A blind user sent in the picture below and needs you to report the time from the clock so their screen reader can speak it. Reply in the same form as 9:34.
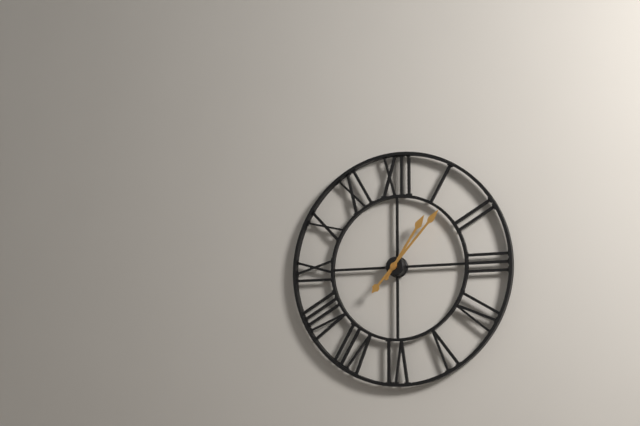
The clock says 1:07
